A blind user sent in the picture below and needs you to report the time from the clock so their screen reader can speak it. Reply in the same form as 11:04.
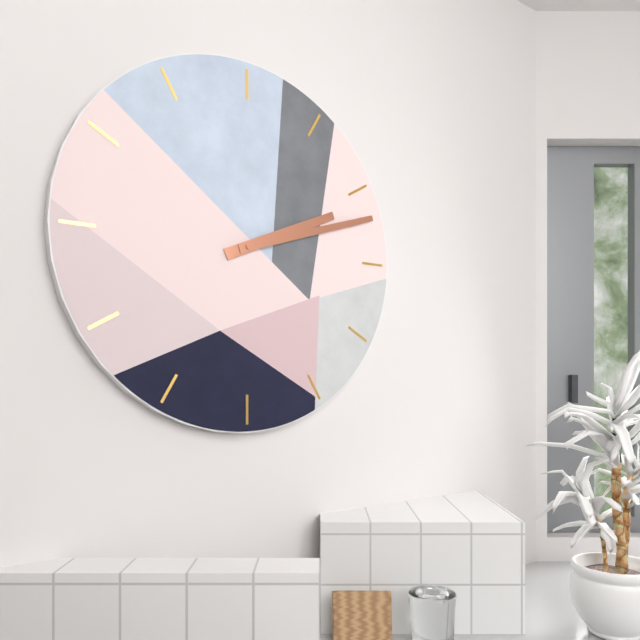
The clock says 2:12
